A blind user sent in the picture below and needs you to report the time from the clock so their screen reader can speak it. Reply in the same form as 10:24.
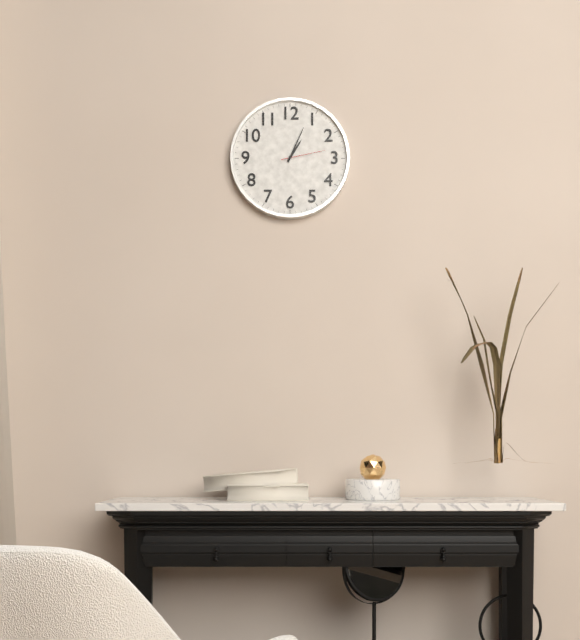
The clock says 1:04
